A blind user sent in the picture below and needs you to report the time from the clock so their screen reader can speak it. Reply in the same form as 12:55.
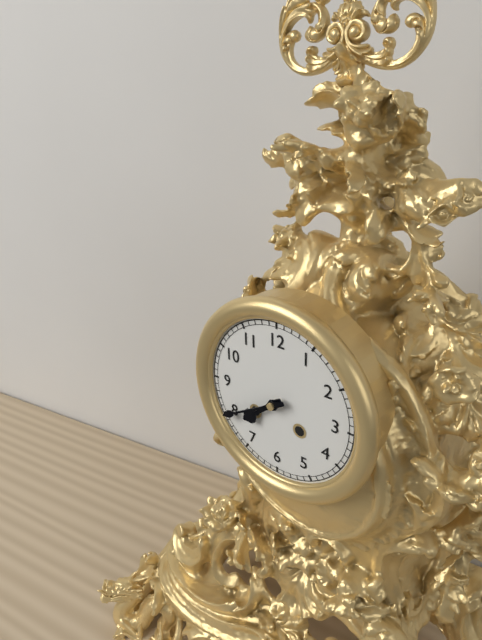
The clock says 7:40
